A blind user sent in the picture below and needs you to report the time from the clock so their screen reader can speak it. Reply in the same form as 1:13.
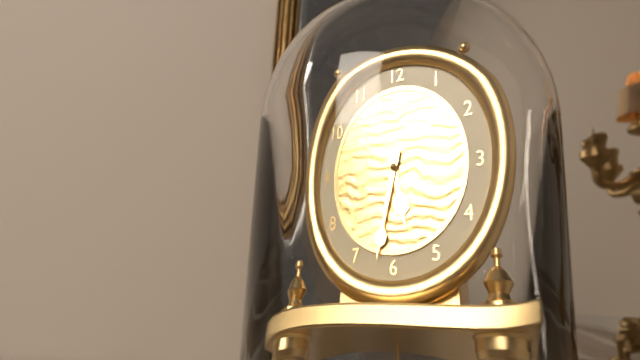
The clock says 5:32
